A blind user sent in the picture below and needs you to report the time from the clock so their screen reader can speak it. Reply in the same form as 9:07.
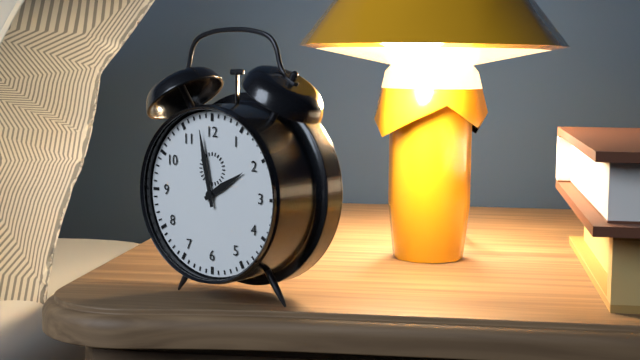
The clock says 1:58
